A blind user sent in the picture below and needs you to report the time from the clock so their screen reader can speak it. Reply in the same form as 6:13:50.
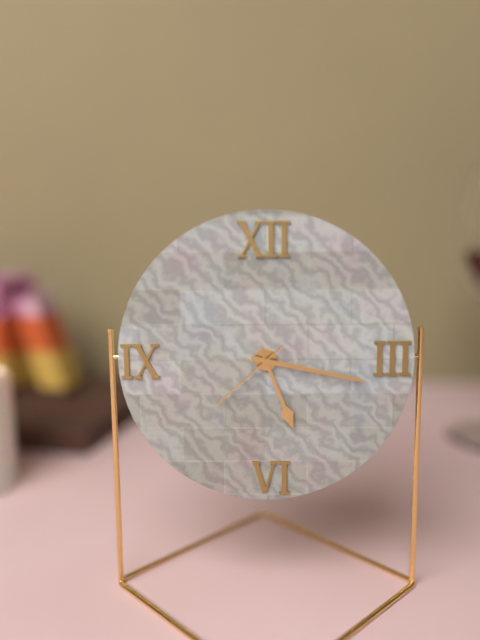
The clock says 5:17:38
